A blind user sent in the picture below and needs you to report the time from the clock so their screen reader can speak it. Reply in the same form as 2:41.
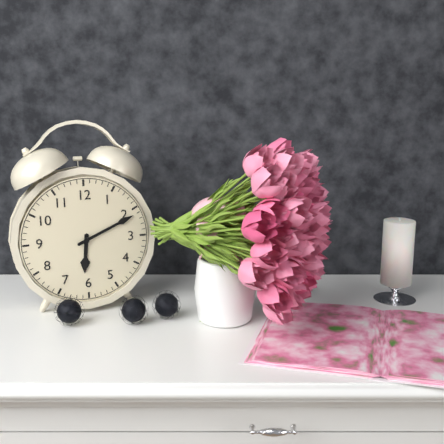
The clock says 6:11
